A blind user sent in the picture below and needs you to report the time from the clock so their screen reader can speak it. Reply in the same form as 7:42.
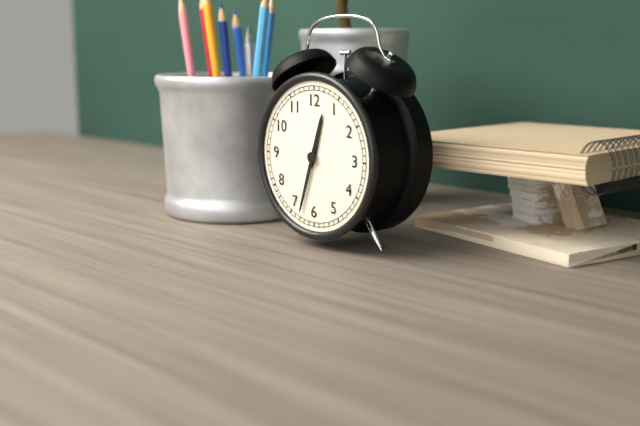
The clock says 12:33
